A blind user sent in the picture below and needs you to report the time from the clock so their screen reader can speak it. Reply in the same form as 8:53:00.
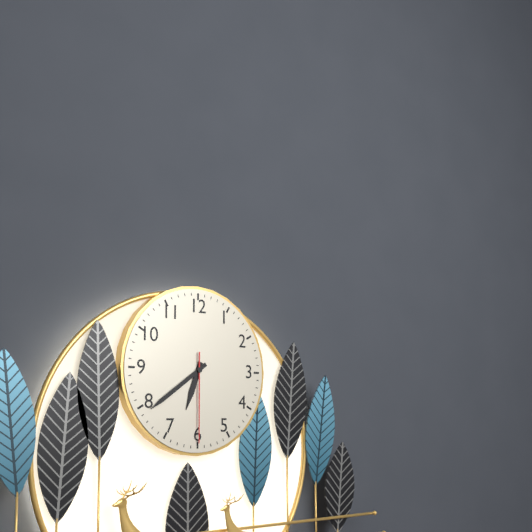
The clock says 6:39:30
